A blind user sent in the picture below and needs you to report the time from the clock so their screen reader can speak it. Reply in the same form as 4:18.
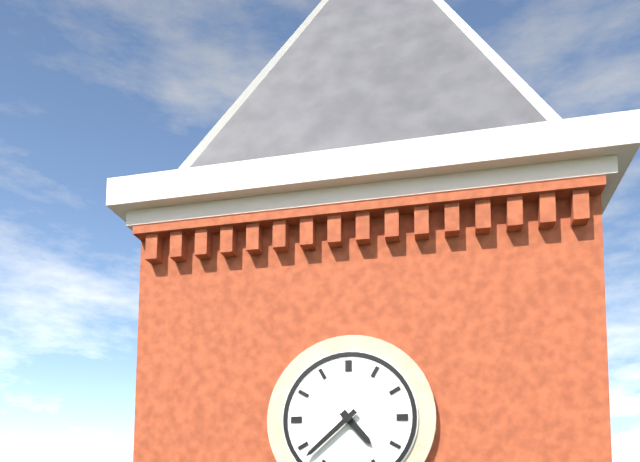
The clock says 4:38
